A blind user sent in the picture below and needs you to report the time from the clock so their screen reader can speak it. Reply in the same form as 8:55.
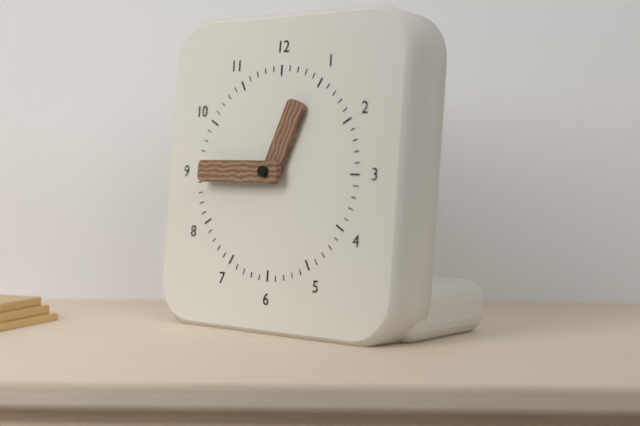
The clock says 12:45
